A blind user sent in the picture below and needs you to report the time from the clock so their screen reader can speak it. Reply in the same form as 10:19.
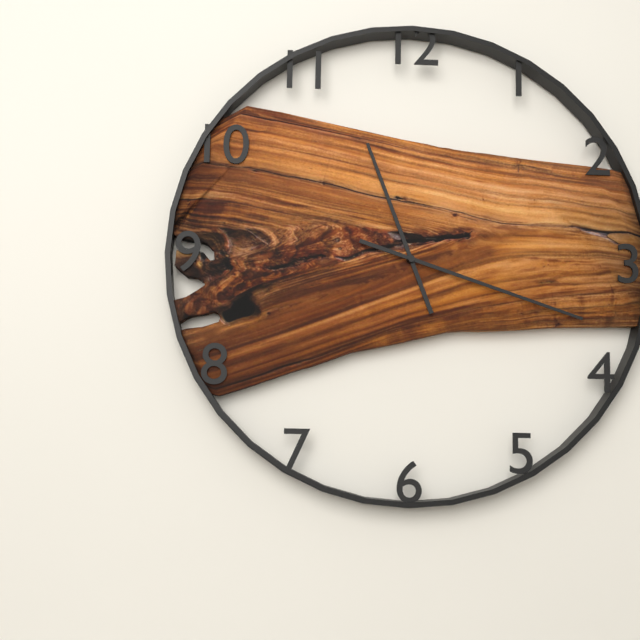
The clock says 11:18
